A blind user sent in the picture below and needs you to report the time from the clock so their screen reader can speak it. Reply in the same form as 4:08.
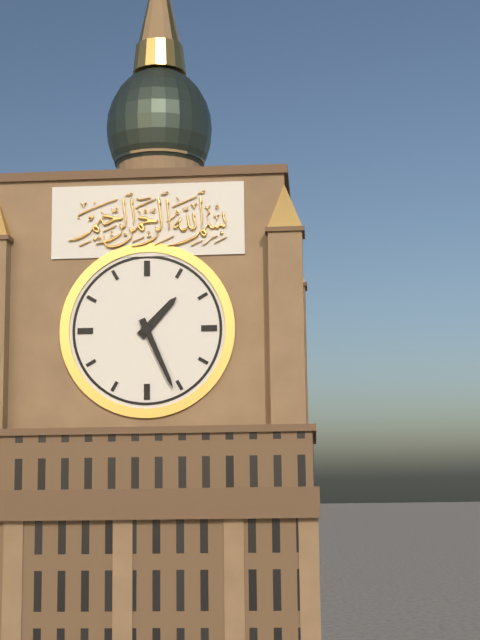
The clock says 1:26
